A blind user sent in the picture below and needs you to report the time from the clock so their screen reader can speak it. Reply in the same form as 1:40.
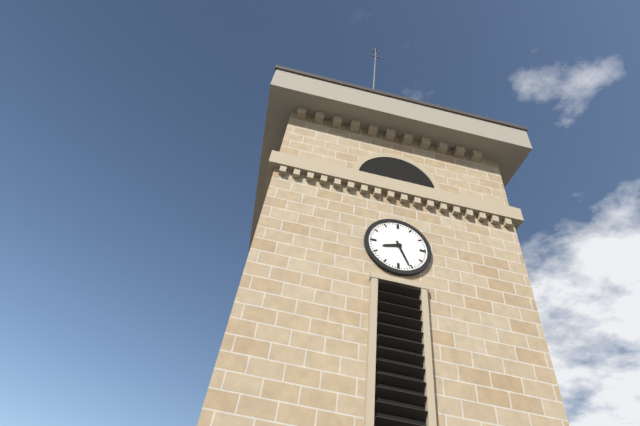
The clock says 8:26
